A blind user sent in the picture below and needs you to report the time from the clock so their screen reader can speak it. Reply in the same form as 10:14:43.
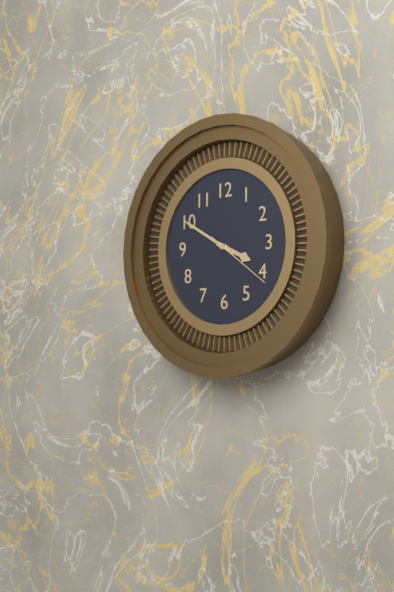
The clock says 3:50:21
